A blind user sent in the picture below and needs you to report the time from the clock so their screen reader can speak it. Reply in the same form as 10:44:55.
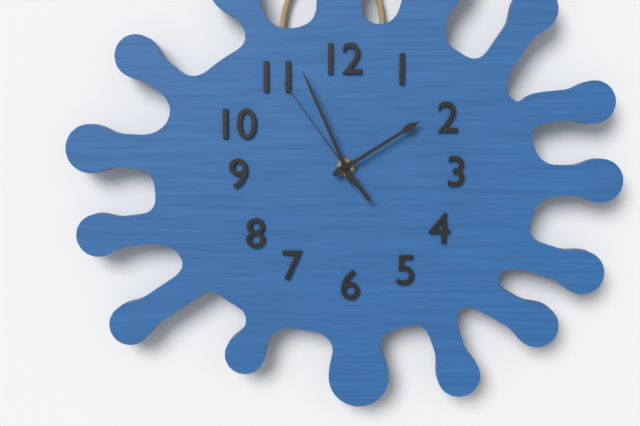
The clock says 1:56:54
